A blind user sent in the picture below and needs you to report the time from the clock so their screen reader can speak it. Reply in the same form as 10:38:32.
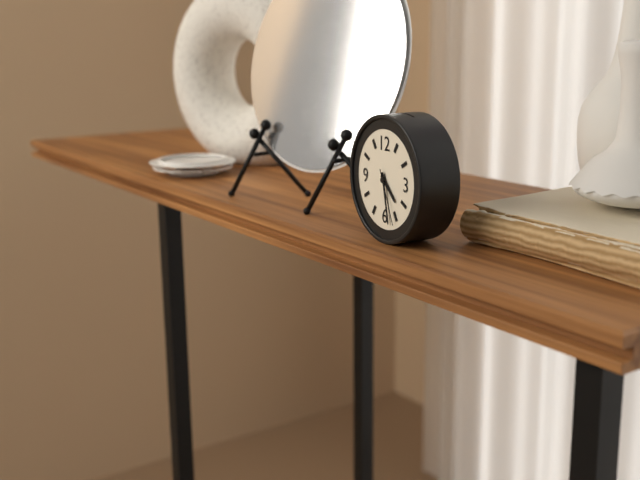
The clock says 4:28:26
